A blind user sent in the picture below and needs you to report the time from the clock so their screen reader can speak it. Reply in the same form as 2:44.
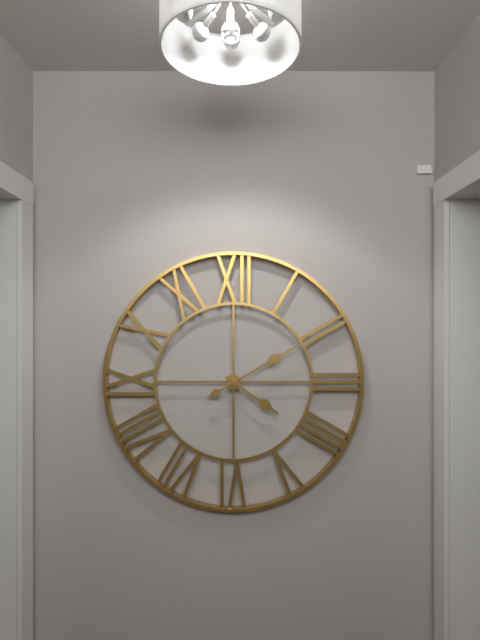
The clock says 4:10
